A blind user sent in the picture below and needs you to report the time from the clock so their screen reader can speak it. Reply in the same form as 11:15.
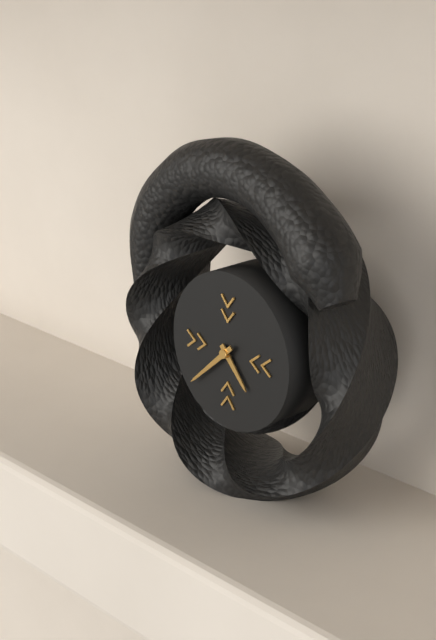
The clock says 4:38
